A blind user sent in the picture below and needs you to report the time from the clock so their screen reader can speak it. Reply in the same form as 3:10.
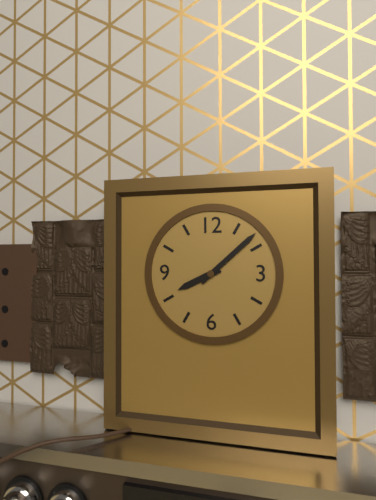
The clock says 8:08
